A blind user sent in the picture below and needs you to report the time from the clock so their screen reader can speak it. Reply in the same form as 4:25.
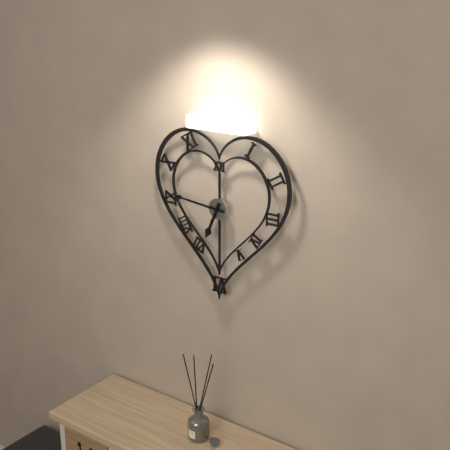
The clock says 6:46
